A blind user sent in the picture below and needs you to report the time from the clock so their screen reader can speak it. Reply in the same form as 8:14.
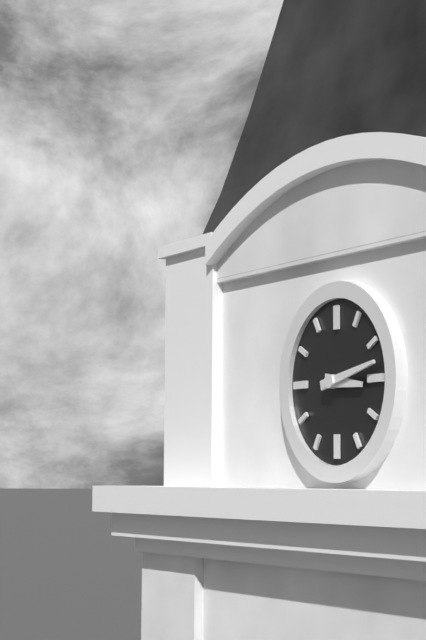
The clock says 3:13
